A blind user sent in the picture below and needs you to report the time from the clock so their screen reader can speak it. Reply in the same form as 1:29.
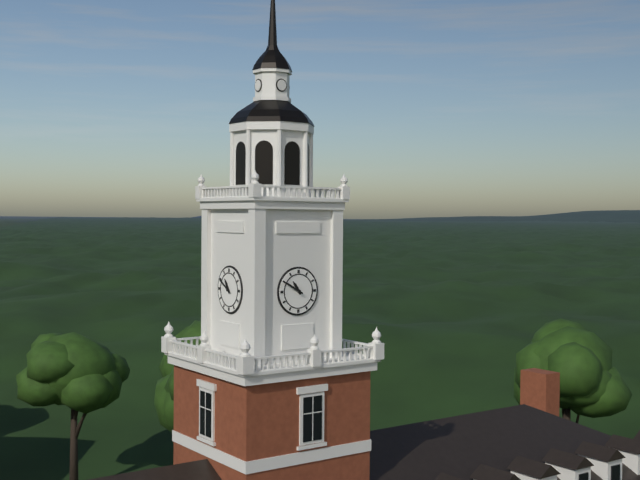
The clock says 10:50
